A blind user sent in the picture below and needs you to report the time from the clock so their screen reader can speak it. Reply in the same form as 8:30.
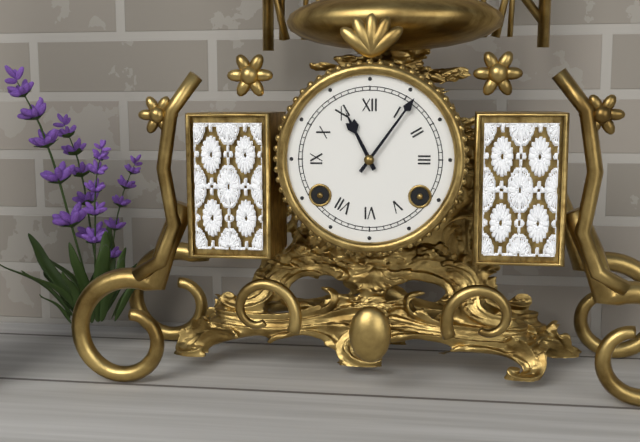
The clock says 11:06
